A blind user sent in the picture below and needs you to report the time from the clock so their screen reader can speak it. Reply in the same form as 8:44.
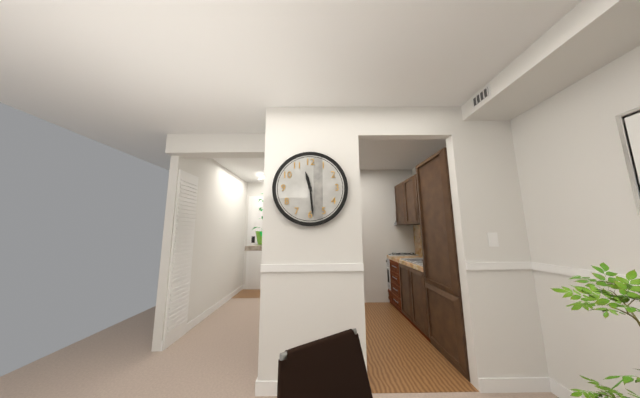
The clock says 11:29
